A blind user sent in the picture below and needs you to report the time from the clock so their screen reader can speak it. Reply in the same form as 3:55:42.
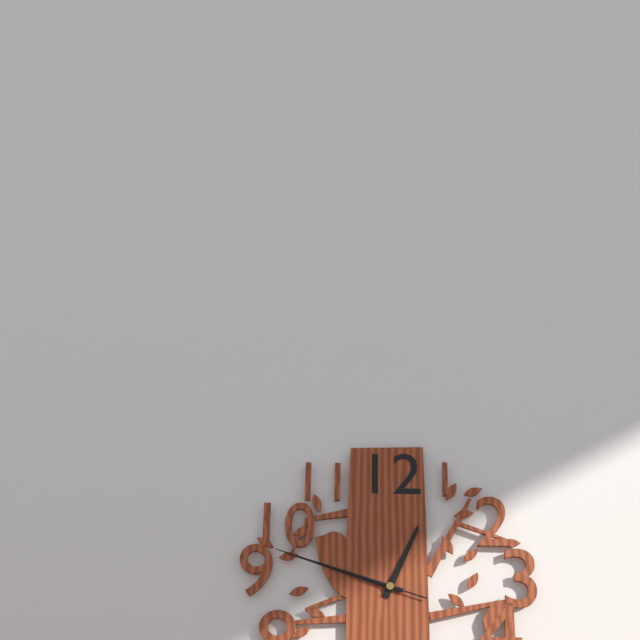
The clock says 12:48:48
